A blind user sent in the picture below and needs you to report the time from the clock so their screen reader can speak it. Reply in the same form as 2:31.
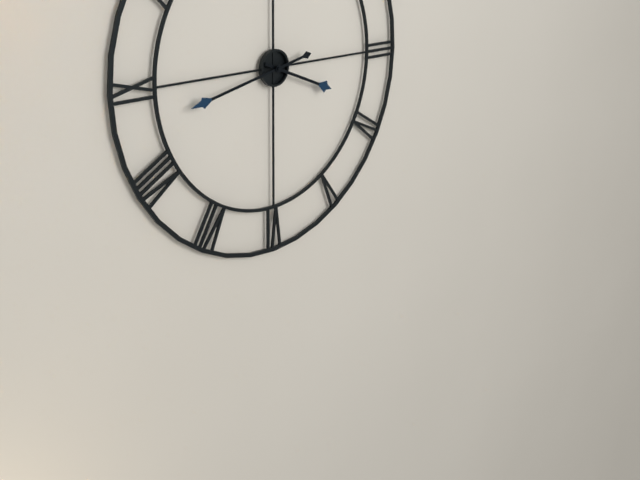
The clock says 3:43
